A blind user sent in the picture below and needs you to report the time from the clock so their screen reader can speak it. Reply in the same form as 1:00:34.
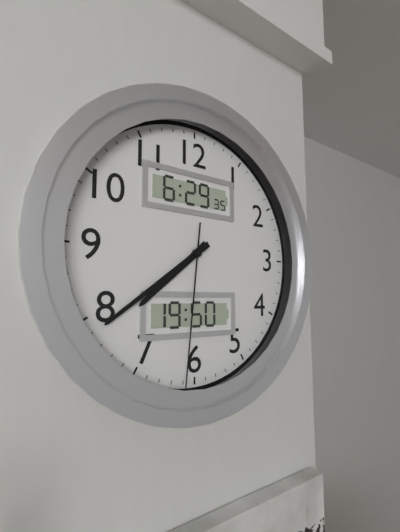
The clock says 7:39:31
